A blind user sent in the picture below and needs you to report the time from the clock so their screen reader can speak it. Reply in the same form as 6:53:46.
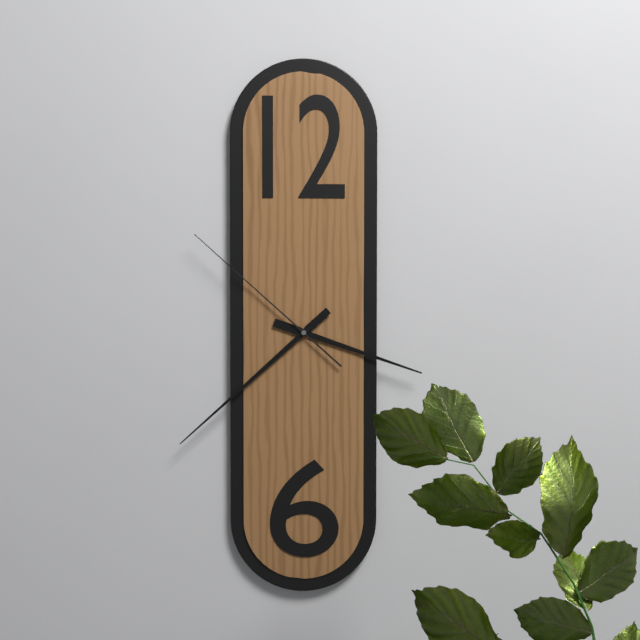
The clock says 3:38:52
